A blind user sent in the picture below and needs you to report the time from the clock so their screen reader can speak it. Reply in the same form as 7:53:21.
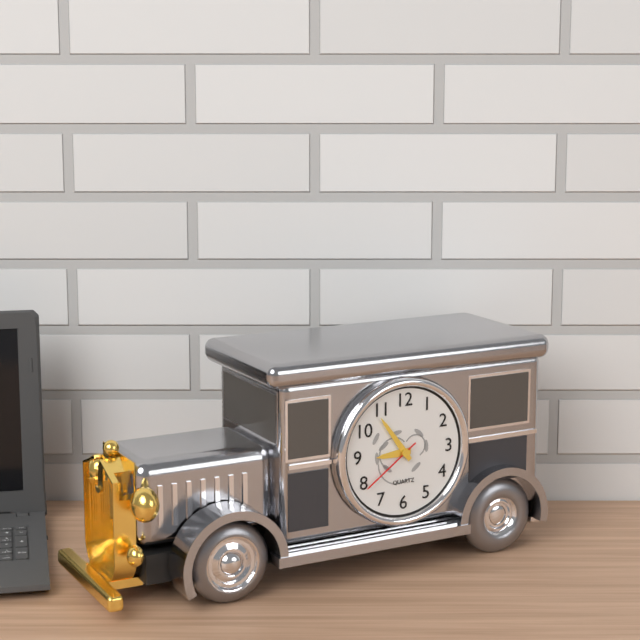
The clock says 8:54:39
